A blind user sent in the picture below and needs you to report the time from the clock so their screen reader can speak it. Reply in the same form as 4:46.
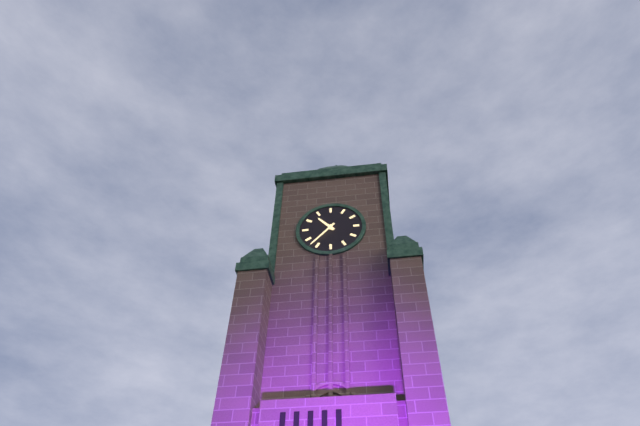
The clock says 10:37
